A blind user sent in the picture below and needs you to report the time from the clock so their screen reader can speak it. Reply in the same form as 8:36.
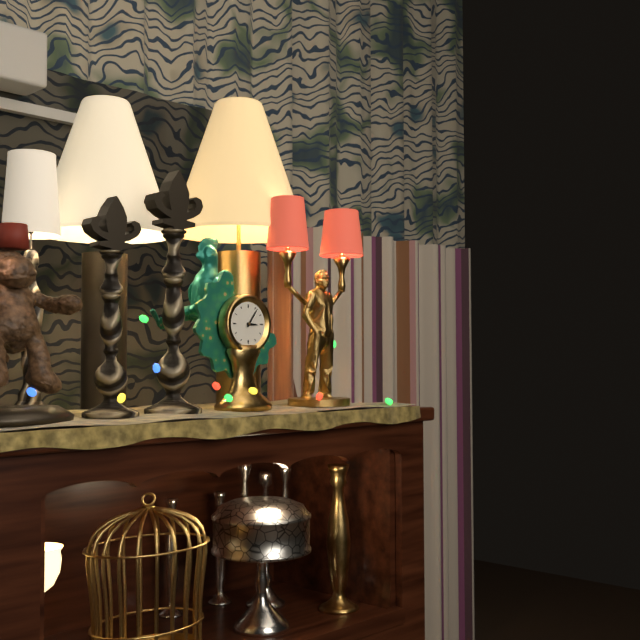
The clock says 3:06
